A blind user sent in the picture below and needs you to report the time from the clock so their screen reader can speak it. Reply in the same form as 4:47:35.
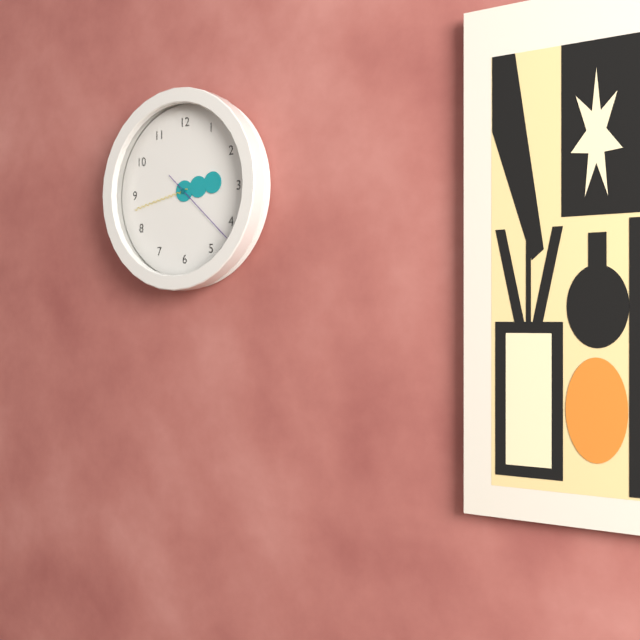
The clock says 2:43:22
